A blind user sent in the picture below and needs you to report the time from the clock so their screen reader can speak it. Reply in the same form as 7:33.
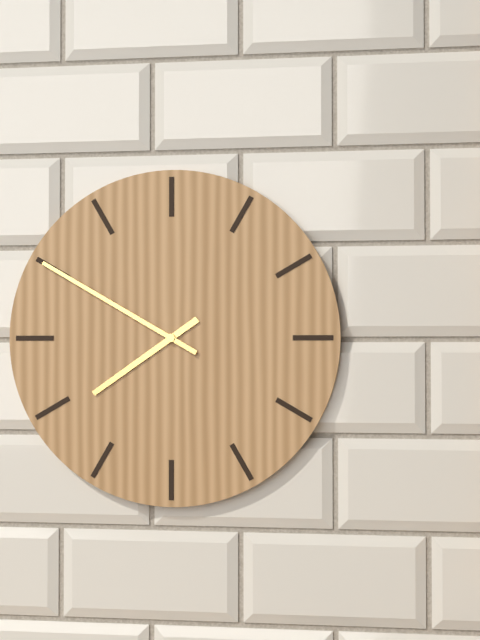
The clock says 7:50
